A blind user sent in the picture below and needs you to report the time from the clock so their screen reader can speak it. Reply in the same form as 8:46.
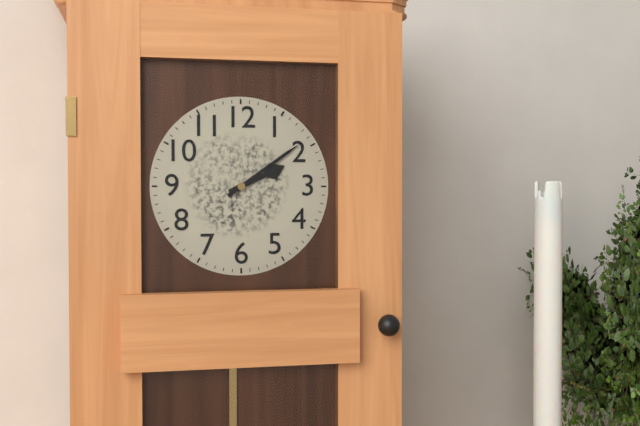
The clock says 2:09
